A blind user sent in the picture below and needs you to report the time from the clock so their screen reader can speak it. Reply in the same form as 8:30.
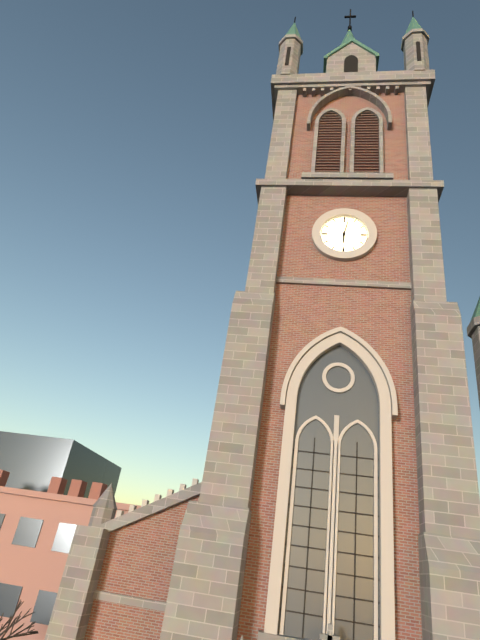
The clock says 6:02
